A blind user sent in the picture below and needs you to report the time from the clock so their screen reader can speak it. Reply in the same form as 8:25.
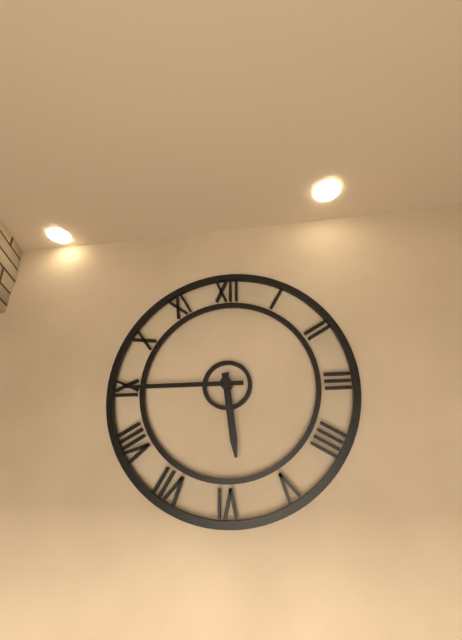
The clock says 5:45
